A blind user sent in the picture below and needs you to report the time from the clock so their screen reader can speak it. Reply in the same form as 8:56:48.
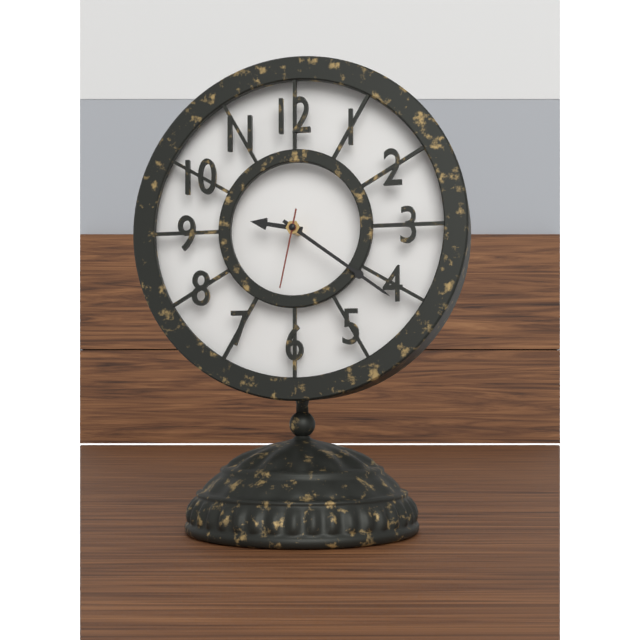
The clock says 9:21:32
